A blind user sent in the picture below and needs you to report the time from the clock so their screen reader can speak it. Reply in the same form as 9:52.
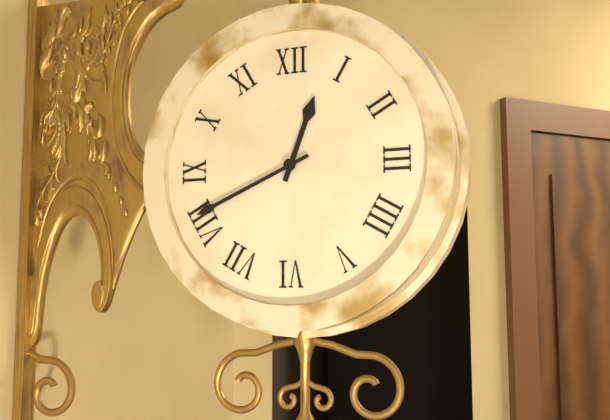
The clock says 12:41
